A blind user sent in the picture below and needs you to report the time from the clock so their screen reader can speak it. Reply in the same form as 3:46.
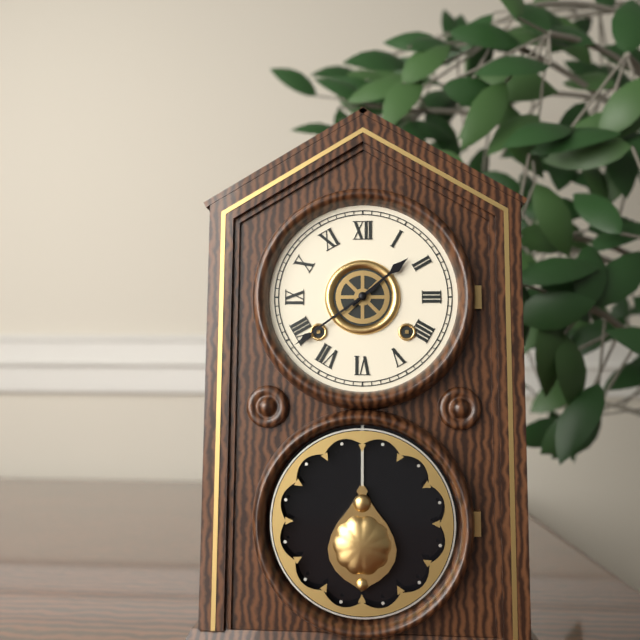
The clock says 1:39
